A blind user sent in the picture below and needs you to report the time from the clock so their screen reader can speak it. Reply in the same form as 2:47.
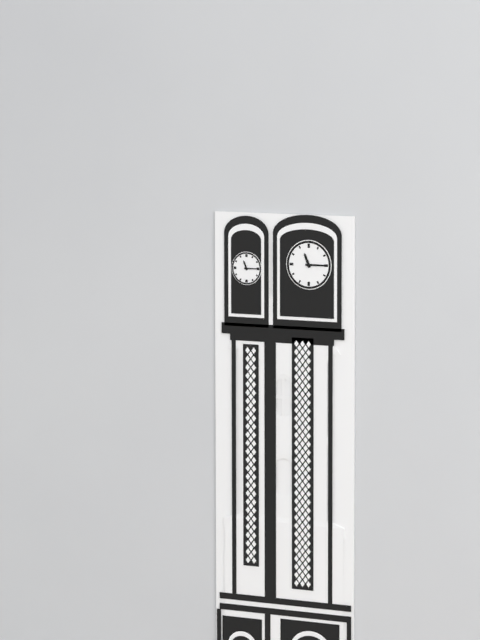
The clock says 11:15
